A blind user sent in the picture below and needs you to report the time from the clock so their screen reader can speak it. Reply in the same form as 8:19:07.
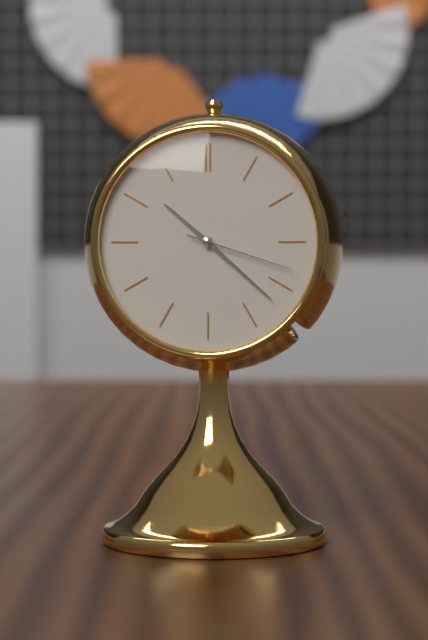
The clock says 10:22:18
